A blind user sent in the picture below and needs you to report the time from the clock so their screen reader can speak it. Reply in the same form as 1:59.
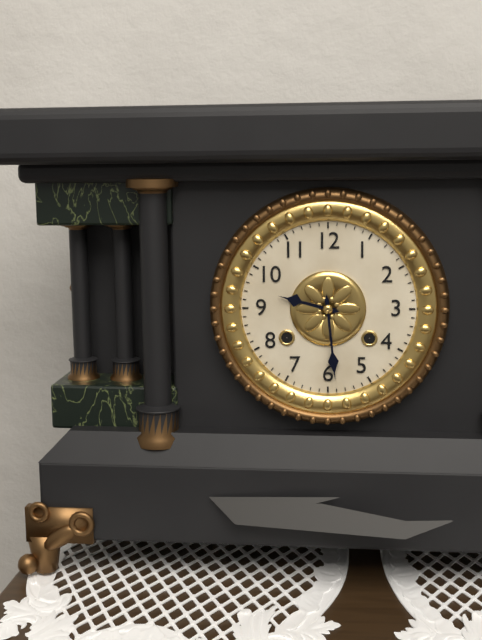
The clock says 9:29
